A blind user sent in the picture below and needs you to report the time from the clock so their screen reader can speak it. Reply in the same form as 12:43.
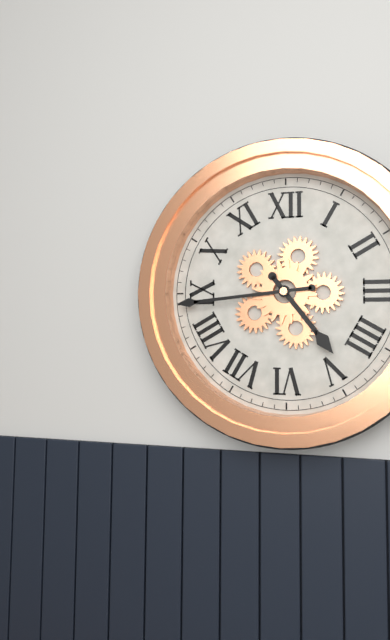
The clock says 4:44
